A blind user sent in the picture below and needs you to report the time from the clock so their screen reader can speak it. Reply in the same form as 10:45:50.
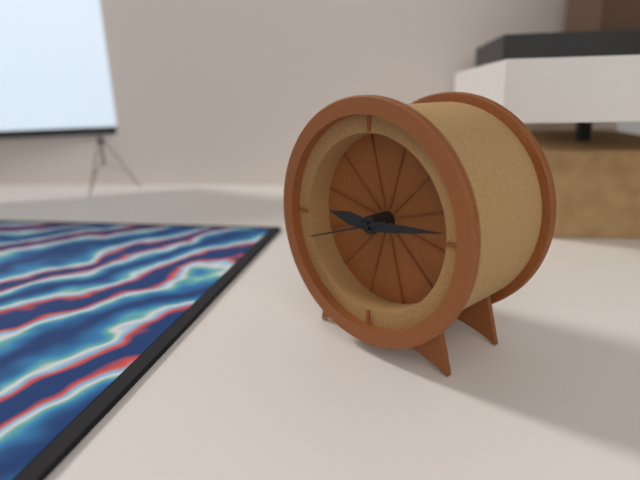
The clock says 9:14:42
